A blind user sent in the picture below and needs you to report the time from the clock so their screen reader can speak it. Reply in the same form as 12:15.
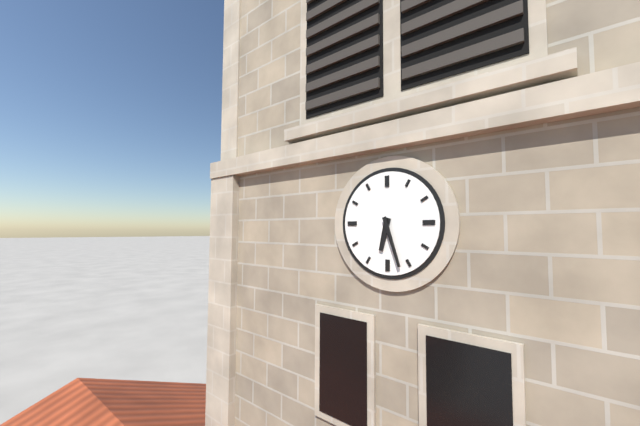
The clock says 6:27
